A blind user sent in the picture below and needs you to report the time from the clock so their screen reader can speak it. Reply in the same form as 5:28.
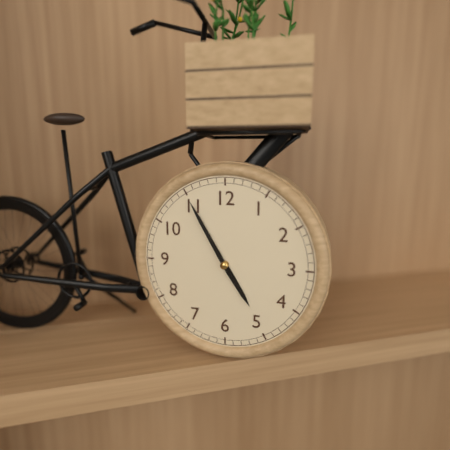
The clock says 4:55
